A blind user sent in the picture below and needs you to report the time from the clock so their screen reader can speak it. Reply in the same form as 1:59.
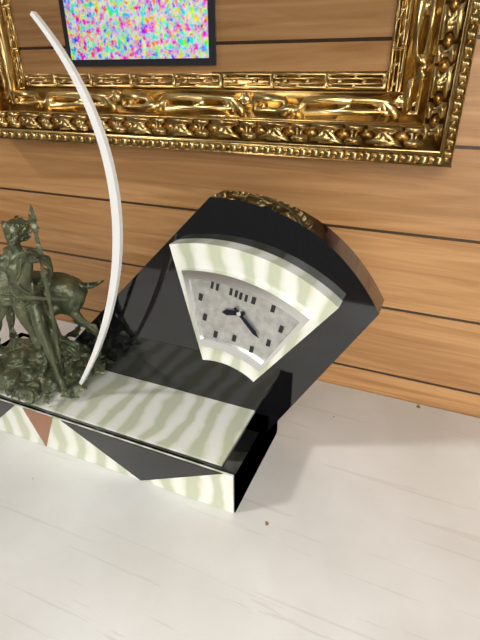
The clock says 8:21
